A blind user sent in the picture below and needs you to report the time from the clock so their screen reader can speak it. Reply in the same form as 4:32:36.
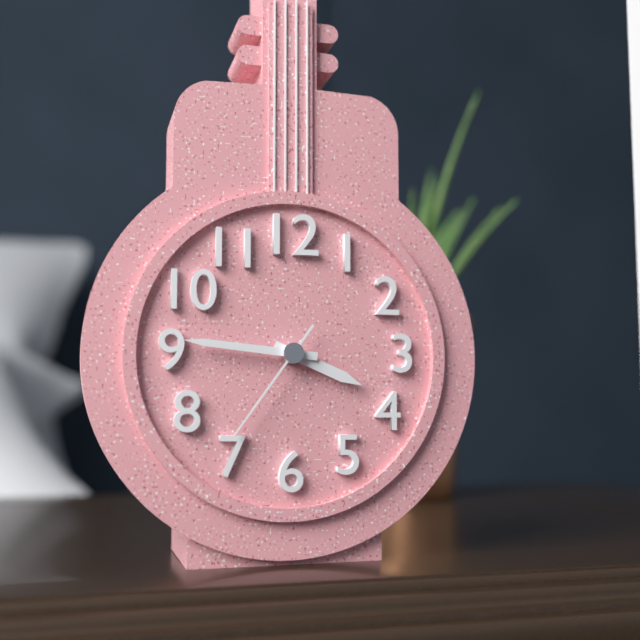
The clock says 3:46:36
